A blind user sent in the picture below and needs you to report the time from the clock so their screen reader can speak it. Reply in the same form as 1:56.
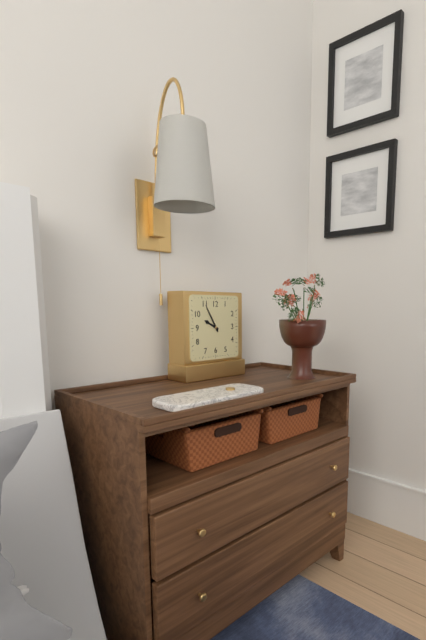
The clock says 9:55
